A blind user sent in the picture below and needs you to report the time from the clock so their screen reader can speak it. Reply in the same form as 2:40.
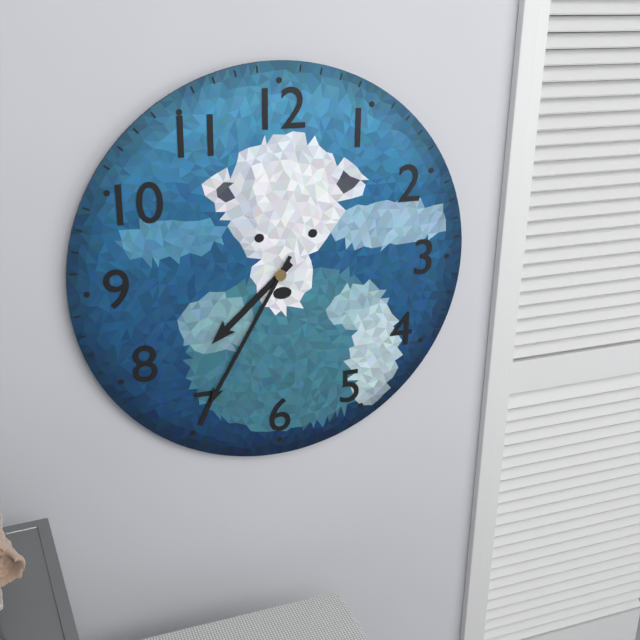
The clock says 7:35
